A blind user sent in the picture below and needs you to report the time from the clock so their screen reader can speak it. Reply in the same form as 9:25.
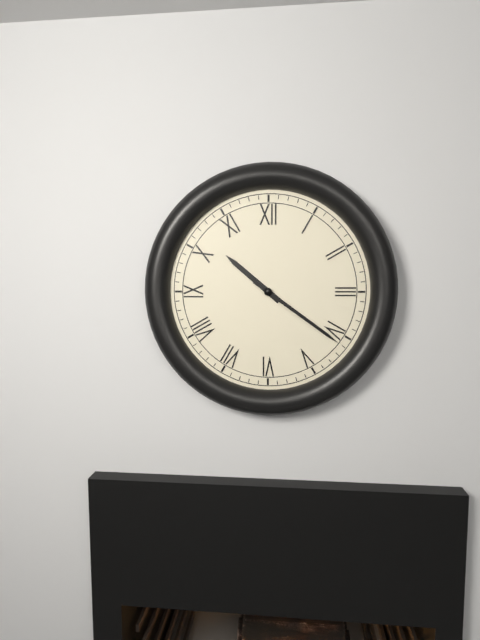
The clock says 10:21
